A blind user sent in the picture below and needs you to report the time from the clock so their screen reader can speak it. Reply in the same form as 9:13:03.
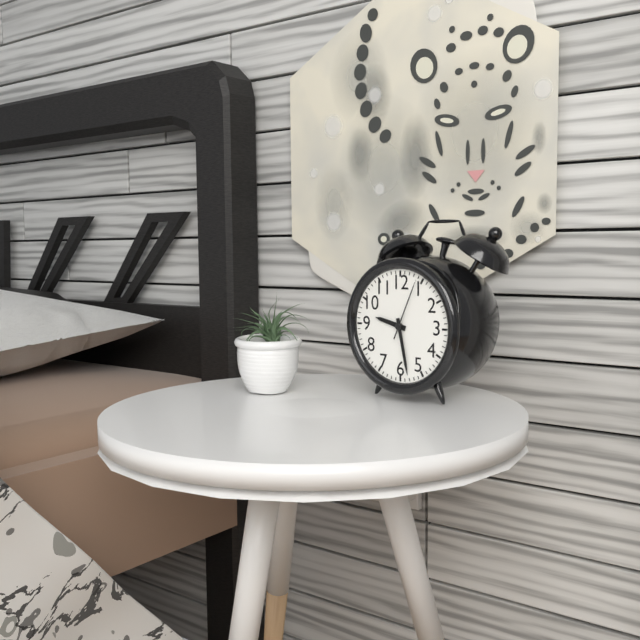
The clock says 9:28:04
